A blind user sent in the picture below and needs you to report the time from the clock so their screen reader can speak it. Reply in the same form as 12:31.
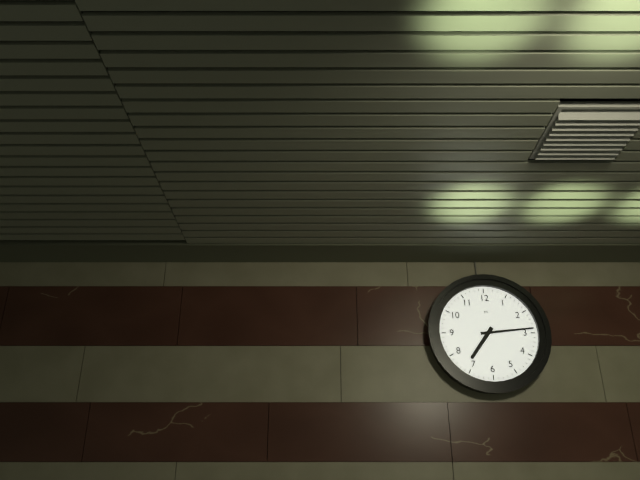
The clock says 7:14
